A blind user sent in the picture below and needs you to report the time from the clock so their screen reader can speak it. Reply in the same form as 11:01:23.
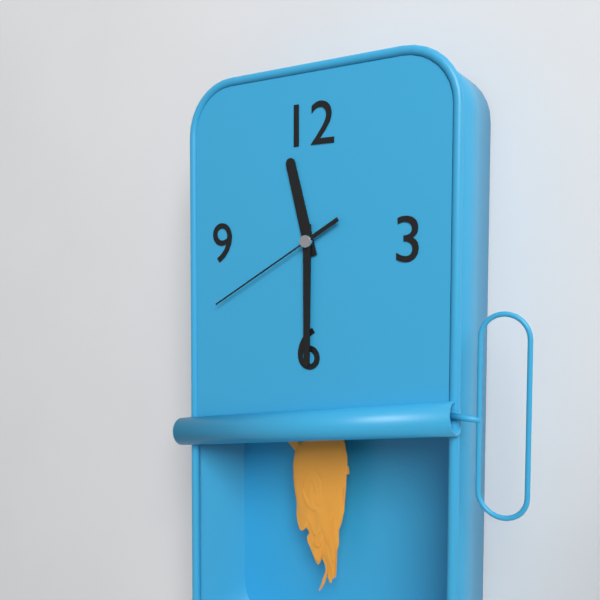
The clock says 11:30:40
